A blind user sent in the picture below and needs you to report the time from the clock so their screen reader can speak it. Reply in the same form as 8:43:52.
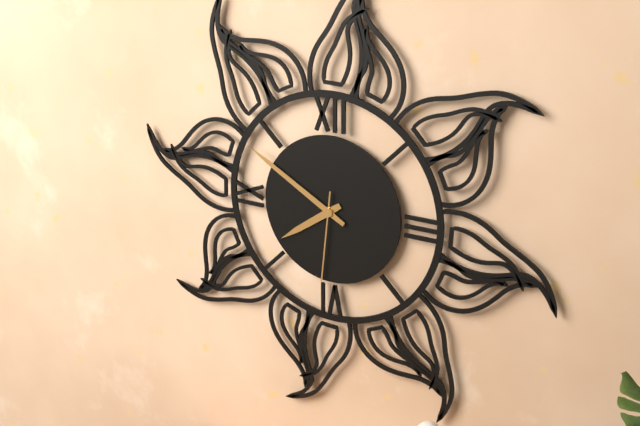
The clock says 7:50:31
